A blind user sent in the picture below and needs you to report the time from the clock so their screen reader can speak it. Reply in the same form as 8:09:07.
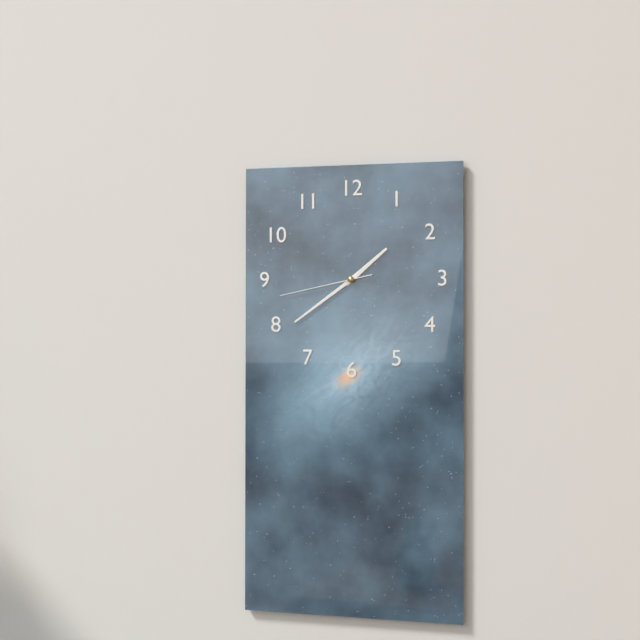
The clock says 1:39:43
